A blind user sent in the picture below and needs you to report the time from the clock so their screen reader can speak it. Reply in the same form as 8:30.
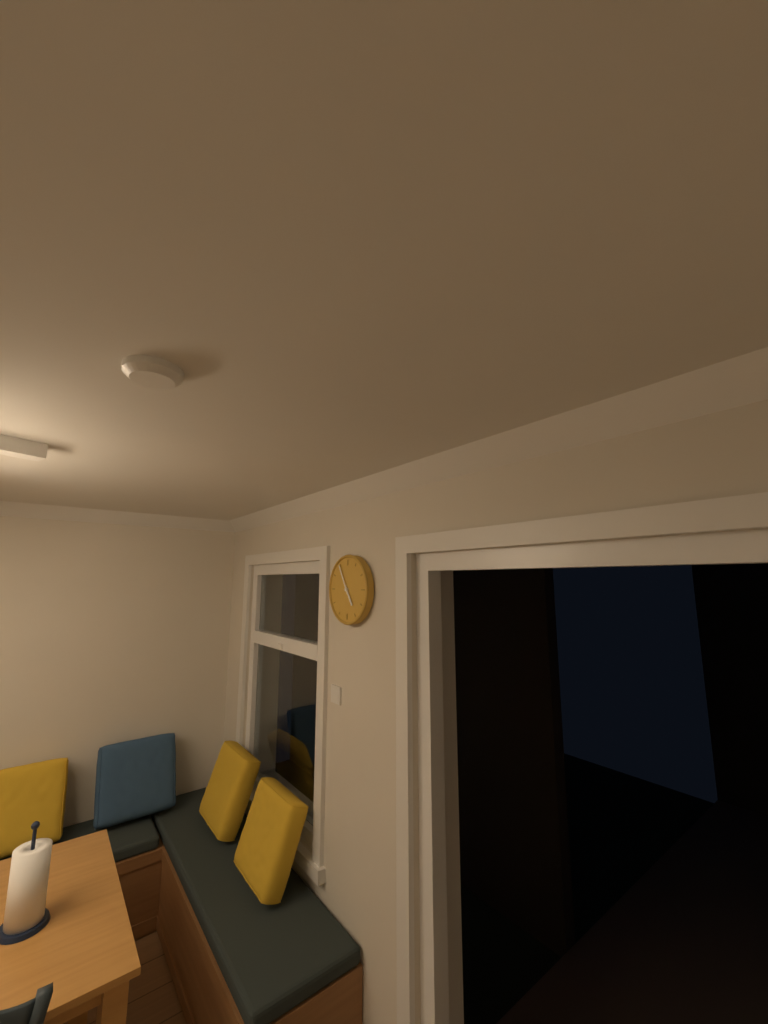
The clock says 4:55
